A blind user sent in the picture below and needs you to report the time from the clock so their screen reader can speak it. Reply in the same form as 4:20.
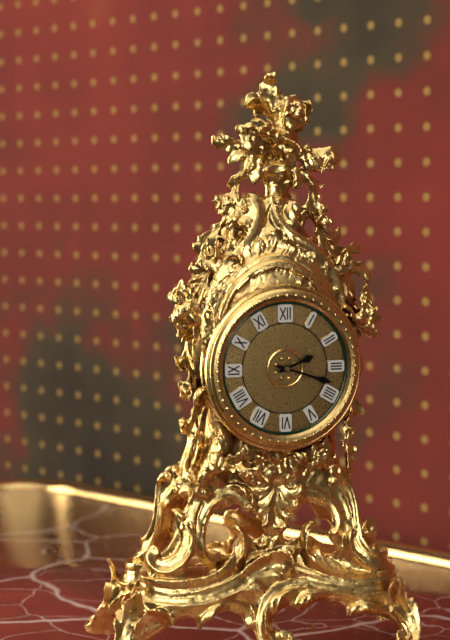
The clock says 2:18
